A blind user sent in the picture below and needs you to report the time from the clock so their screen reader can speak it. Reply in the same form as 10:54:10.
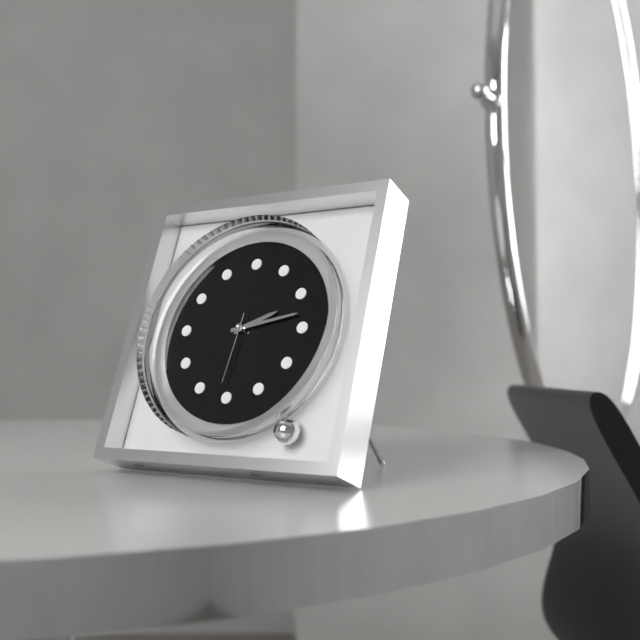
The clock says 2:13:31
